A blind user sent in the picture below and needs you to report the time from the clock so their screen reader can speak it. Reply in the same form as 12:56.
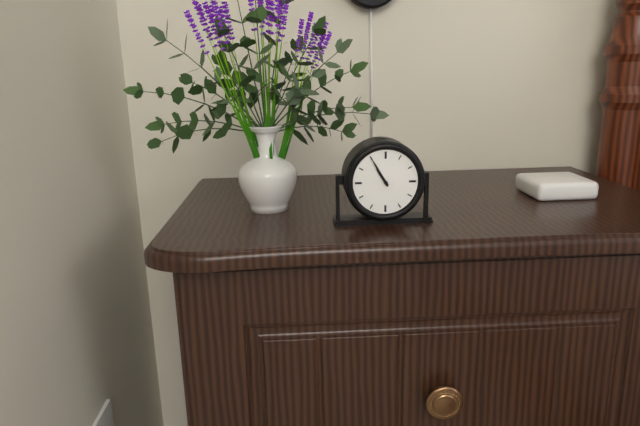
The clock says 10:55
